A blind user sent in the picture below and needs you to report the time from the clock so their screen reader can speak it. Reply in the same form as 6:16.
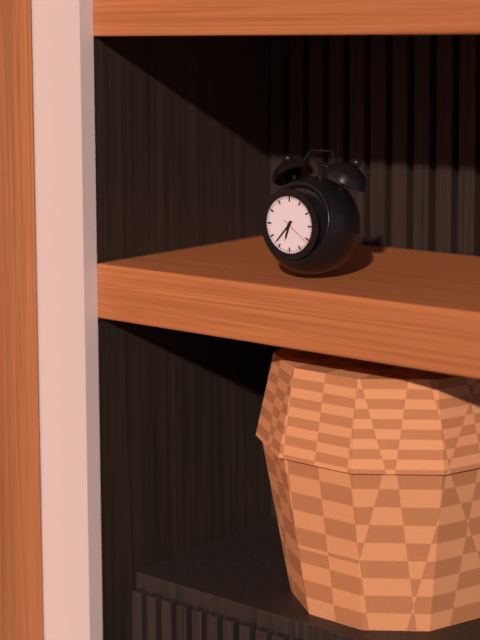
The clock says 6:37
